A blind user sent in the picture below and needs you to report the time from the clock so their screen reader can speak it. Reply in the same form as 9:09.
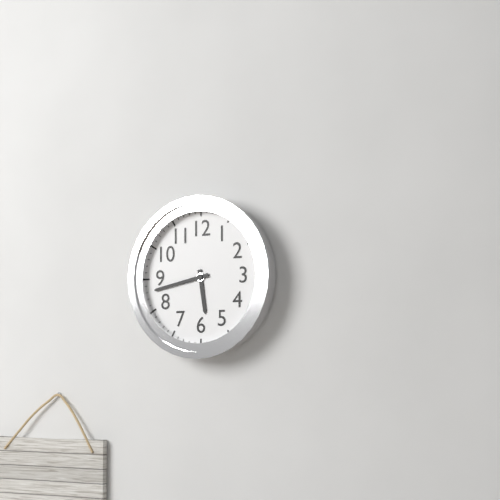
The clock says 5:43
